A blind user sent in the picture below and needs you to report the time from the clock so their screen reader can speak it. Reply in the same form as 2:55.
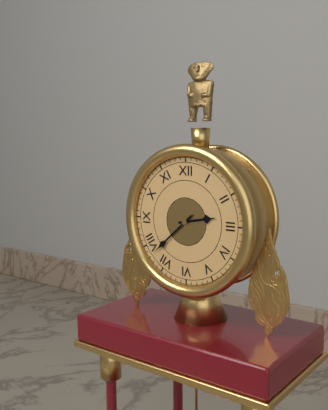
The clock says 2:38
